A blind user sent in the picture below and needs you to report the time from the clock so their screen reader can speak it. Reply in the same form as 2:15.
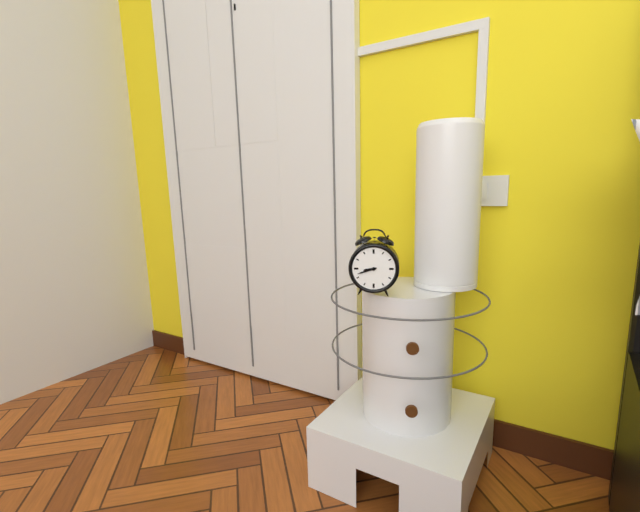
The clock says 8:42
